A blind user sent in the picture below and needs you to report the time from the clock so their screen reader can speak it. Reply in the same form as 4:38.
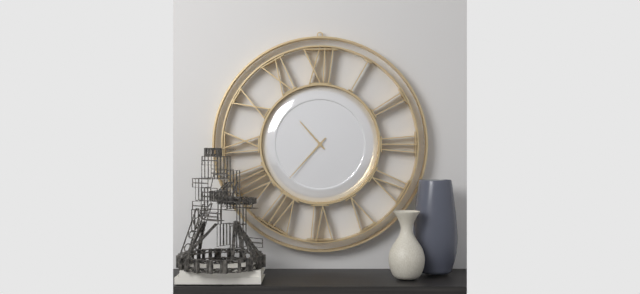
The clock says 10:37
